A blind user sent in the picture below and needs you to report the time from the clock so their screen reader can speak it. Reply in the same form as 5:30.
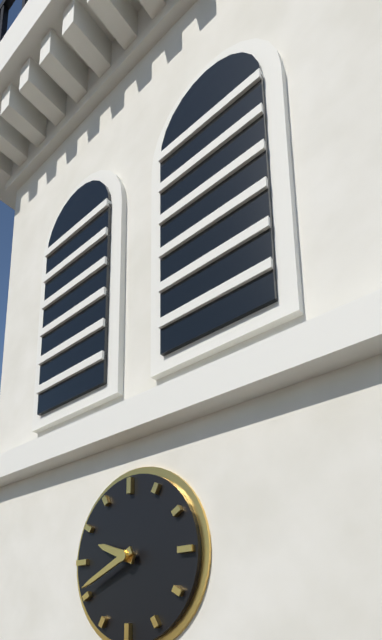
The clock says 9:41
